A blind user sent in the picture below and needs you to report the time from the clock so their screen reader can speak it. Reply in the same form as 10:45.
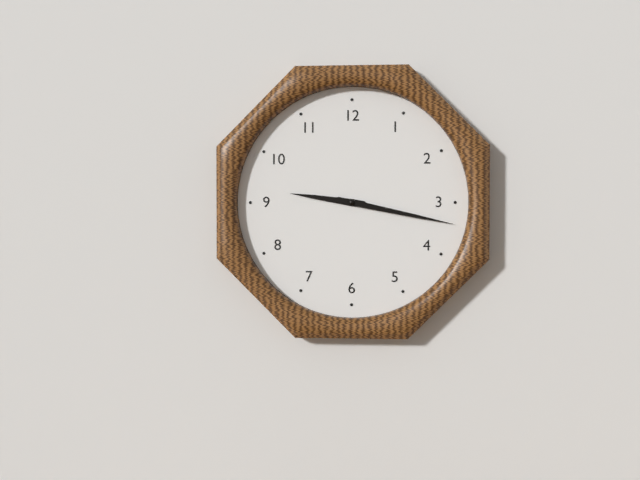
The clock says 9:17
